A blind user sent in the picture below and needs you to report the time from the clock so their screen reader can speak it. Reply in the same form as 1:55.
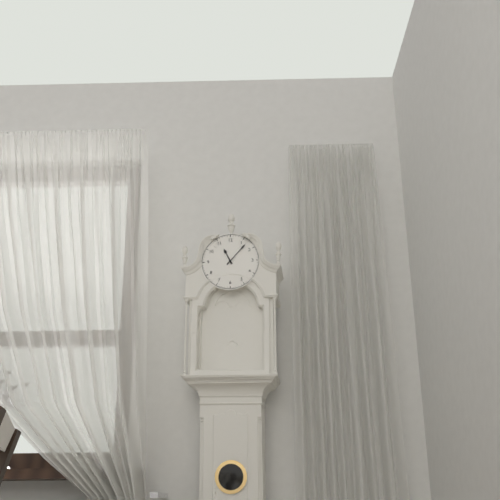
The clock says 11:07
